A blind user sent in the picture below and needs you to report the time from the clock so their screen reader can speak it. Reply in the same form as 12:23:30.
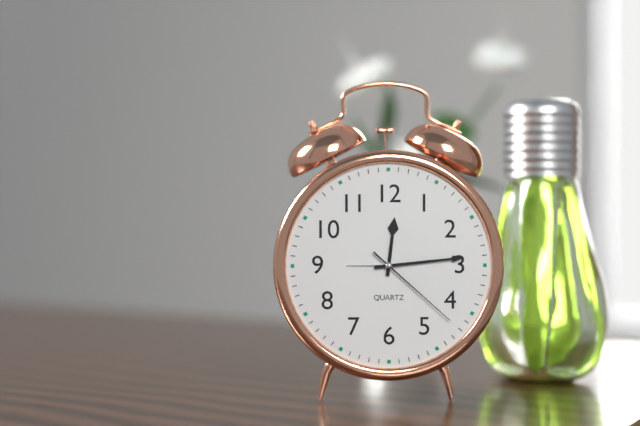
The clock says 12:14:22
